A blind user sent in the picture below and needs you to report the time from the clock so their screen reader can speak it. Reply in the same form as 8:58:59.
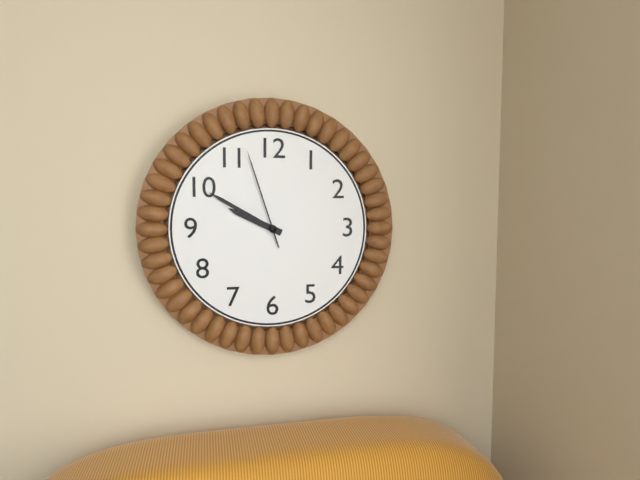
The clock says 9:50:57
